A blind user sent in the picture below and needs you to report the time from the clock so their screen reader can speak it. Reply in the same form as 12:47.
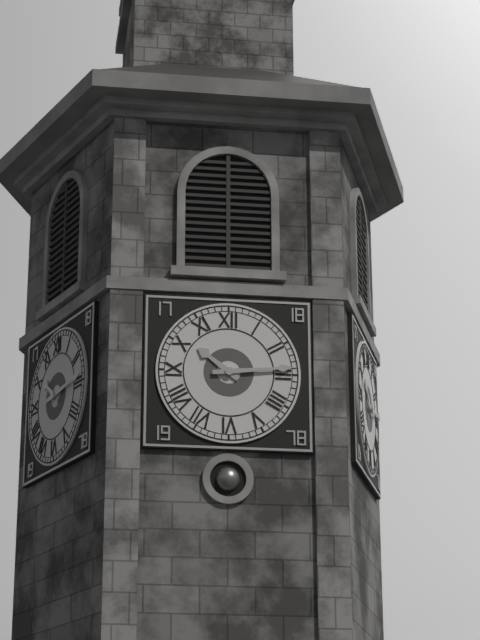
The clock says 10:14
